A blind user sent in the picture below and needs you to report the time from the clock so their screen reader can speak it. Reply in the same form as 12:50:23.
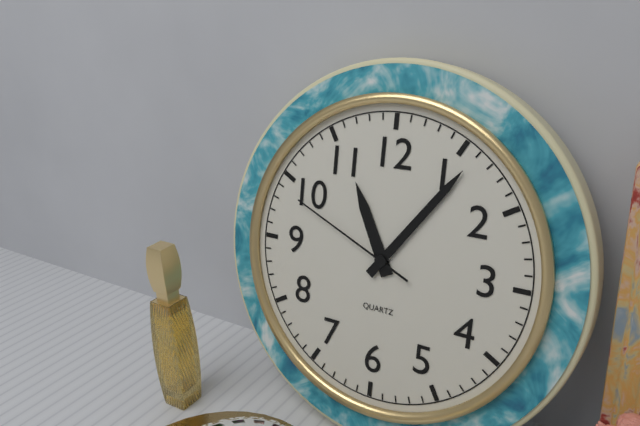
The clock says 11:06:49
